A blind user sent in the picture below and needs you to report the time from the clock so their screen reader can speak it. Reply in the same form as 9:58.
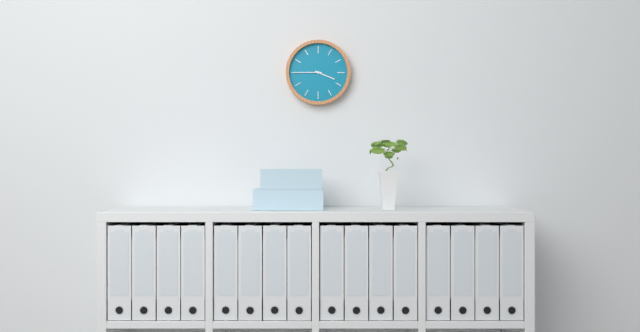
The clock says 3:45
